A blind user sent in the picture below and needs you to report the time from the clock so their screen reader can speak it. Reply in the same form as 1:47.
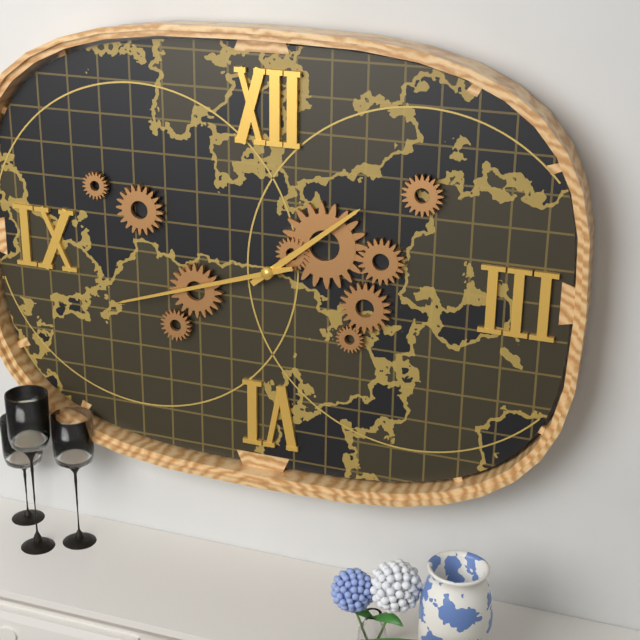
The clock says 1:42
